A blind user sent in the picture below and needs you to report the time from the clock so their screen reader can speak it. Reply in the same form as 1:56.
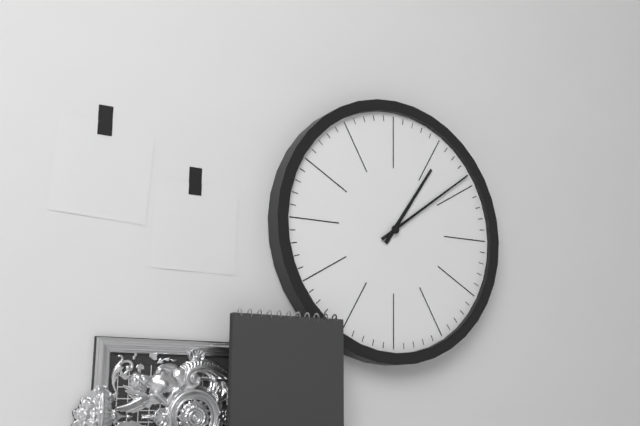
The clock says 1:09
